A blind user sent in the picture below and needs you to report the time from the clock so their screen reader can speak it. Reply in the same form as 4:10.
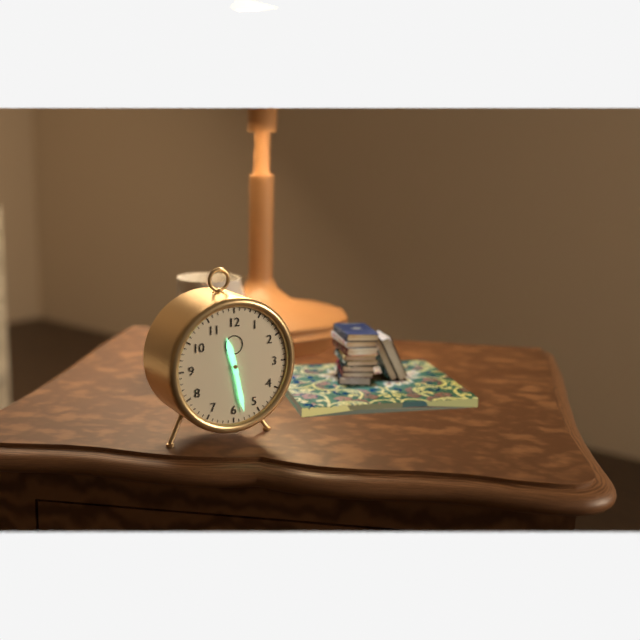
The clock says 11:28
